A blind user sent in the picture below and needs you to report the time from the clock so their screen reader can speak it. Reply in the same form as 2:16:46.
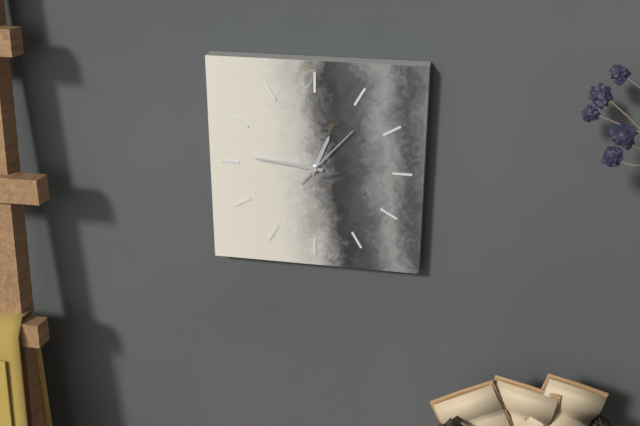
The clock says 12:46:07
